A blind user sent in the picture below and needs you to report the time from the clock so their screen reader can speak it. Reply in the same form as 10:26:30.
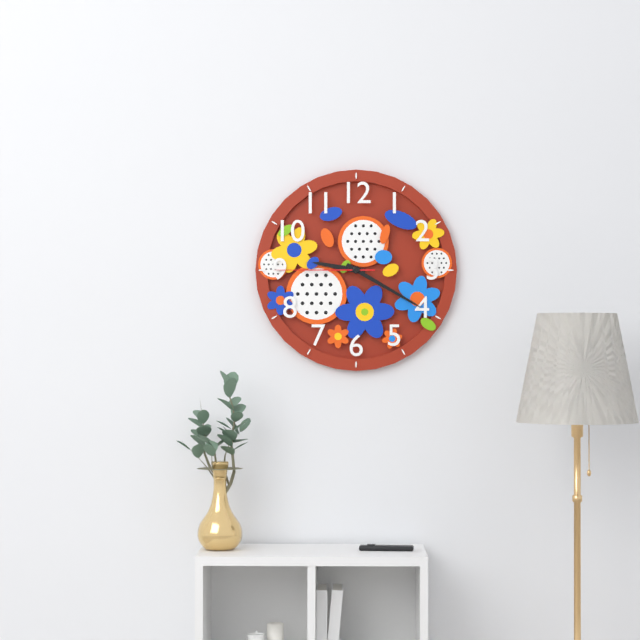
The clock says 9:20:45
